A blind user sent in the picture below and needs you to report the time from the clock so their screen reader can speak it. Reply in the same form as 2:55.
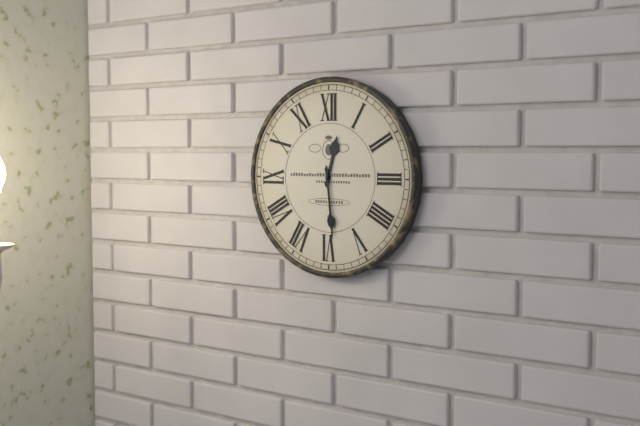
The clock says 12:29
